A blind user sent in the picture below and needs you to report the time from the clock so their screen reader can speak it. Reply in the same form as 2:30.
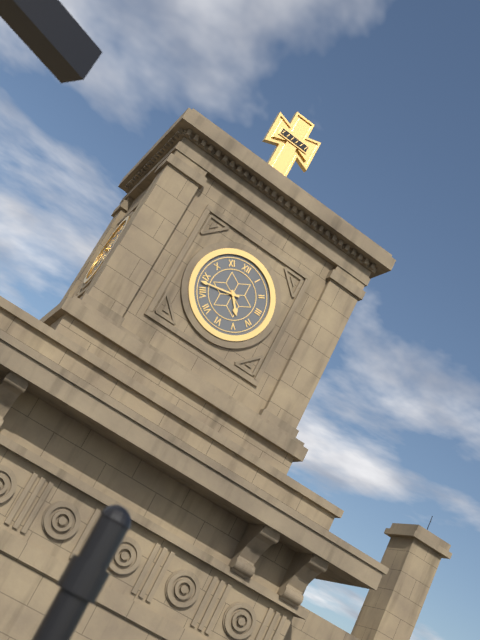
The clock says 4:43
